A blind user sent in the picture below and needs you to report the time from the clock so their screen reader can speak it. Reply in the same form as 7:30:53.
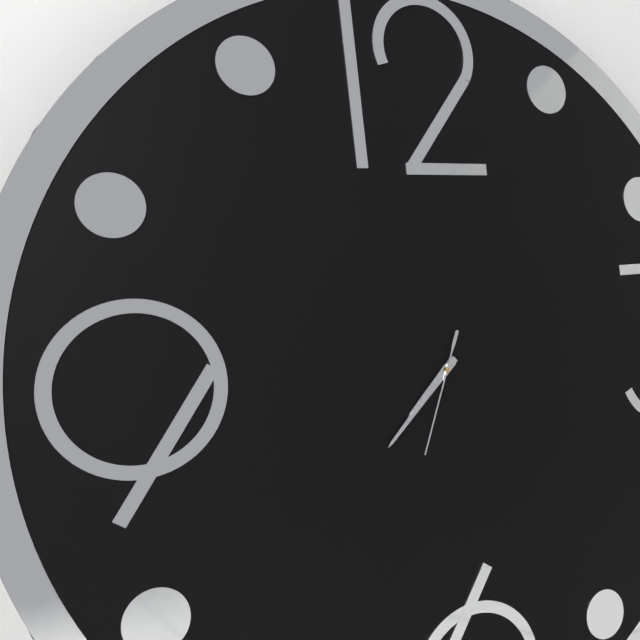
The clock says 7:38:34
